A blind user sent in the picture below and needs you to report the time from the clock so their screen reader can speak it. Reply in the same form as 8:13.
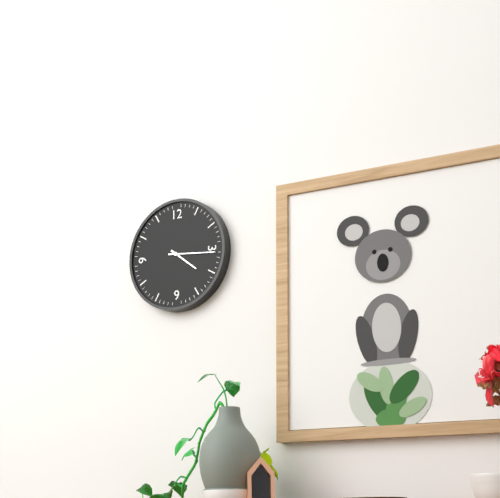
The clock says 4:16
